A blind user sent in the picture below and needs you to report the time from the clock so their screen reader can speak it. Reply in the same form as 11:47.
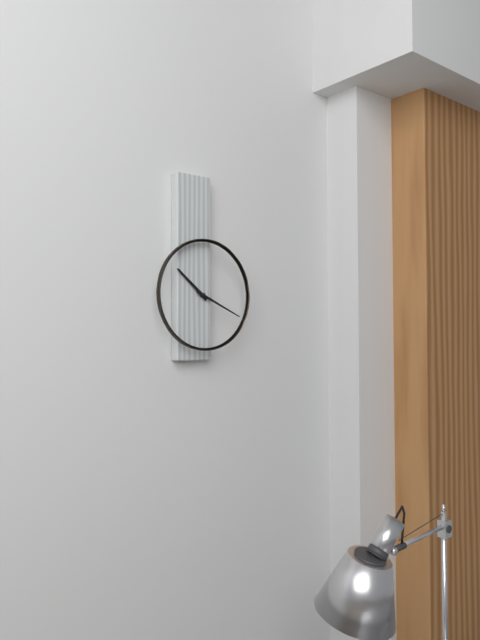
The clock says 10:19
